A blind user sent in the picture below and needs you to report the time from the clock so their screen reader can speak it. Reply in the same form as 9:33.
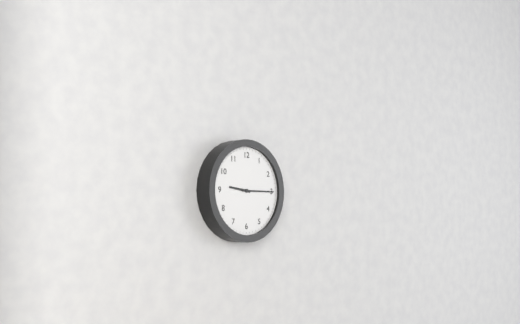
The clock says 9:15
